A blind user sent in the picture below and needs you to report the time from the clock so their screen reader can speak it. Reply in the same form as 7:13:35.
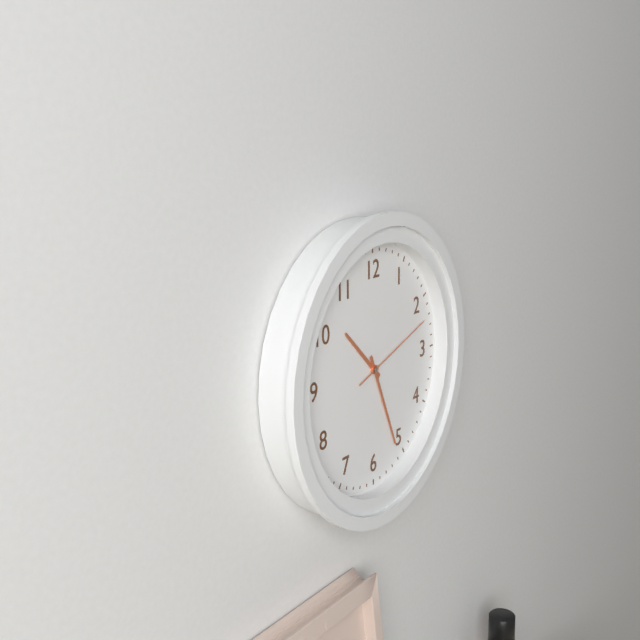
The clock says 10:26:12
